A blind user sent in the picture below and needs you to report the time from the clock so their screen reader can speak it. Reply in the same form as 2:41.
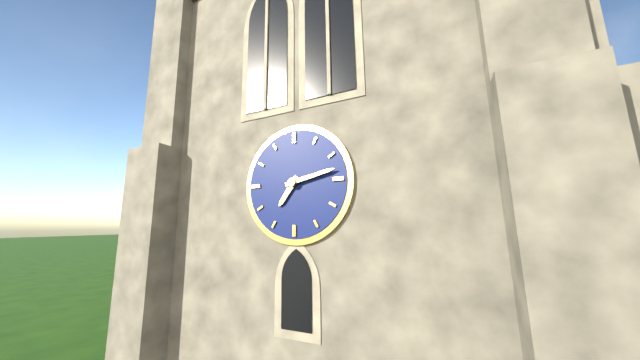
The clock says 7:13
